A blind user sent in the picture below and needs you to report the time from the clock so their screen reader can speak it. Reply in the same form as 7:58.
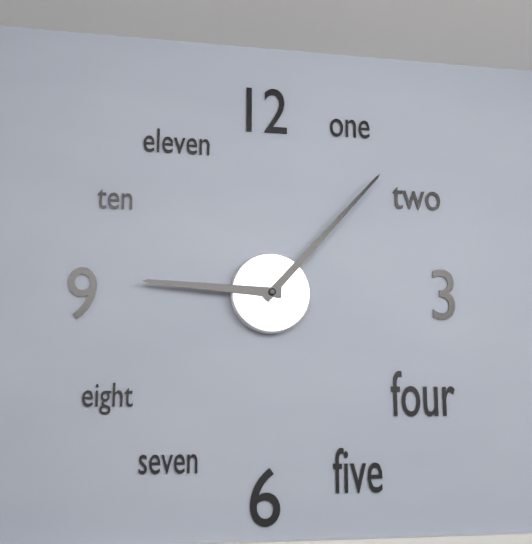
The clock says 9:07
